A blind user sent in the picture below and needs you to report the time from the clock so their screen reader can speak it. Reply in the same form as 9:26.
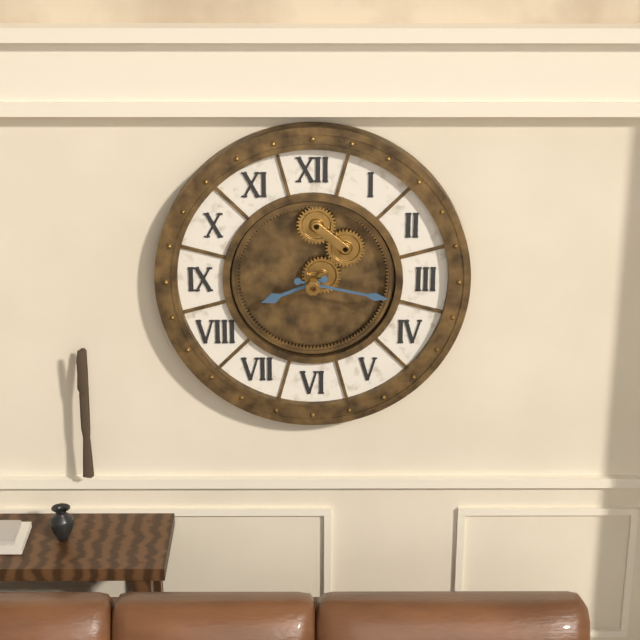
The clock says 8:17
